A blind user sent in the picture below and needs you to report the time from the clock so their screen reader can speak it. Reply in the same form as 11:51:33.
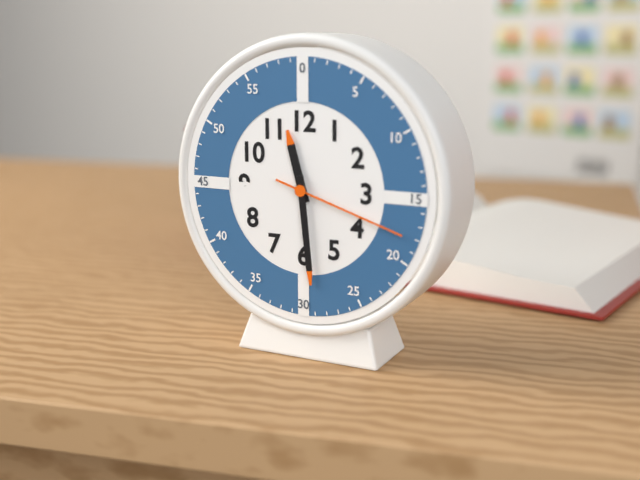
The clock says 11:29:18
